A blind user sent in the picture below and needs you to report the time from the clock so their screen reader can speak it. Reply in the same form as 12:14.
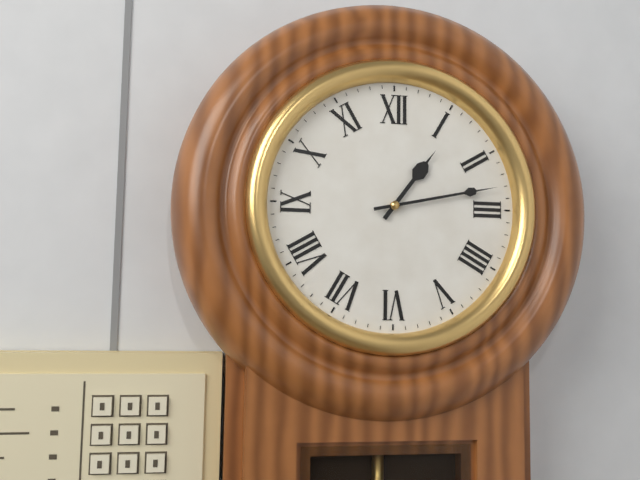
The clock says 1:13
